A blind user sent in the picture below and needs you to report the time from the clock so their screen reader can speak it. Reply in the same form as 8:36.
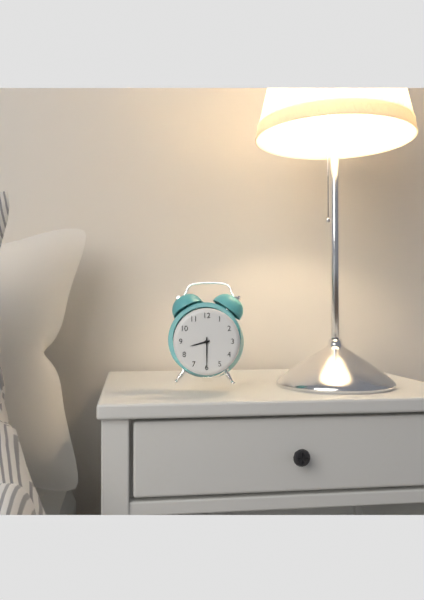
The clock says 8:30
